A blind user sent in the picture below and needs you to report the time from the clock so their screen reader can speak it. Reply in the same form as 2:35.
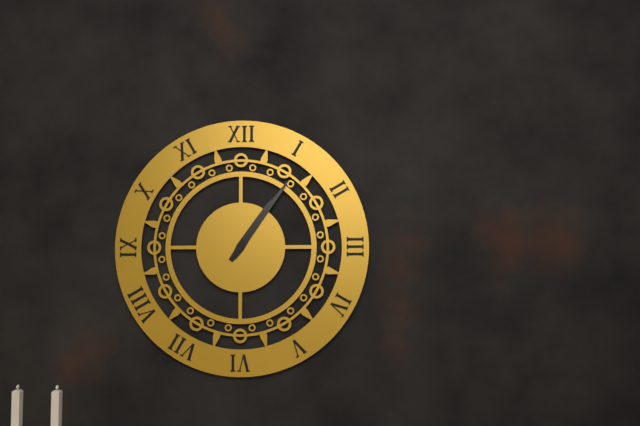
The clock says 1:06
